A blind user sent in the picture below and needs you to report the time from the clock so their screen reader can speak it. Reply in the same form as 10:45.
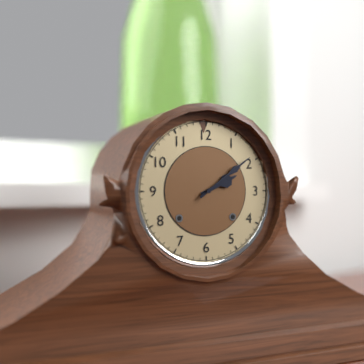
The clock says 2:09
